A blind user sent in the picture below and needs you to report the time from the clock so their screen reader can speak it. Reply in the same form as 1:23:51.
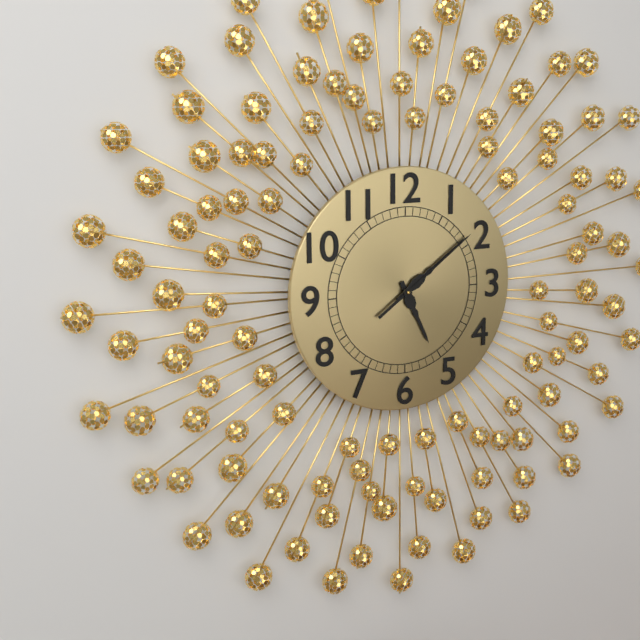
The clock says 5:09:09
